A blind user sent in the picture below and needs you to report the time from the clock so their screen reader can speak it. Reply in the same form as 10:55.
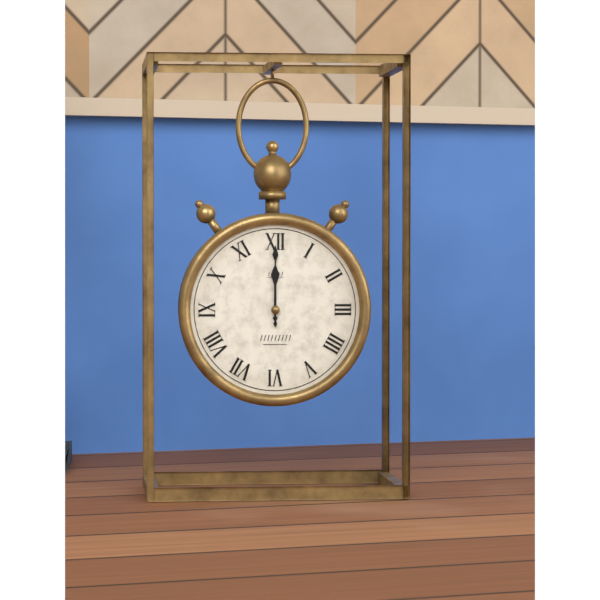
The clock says 12:00
